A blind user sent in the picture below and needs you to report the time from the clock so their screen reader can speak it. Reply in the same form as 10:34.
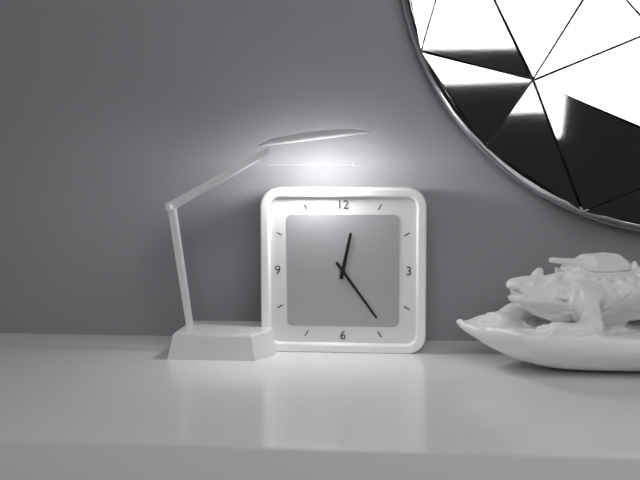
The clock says 12:24
